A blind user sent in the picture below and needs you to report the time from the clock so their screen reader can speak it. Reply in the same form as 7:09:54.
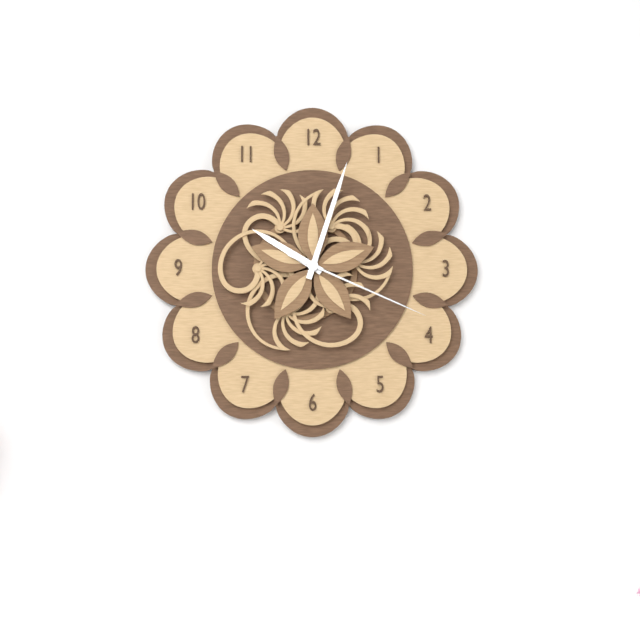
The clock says 10:03:19
